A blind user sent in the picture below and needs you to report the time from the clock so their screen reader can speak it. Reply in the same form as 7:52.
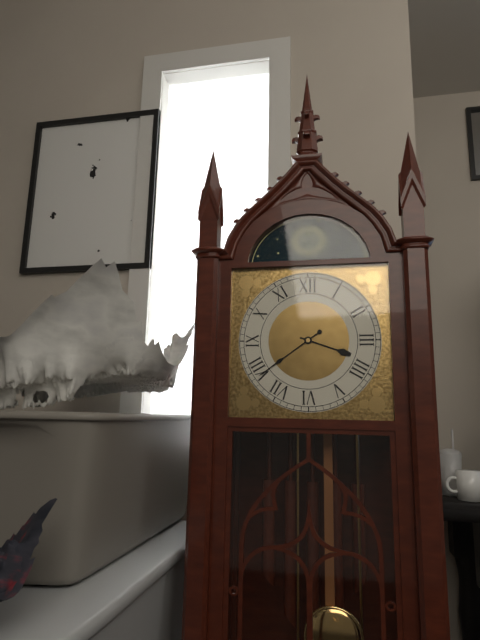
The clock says 3:39
